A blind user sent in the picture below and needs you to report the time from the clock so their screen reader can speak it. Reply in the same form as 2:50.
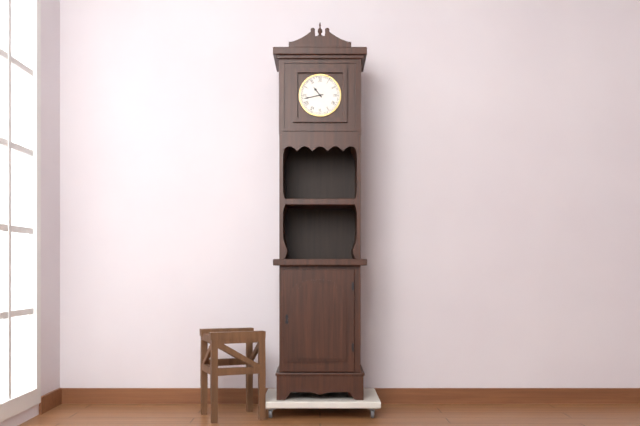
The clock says 10:43
